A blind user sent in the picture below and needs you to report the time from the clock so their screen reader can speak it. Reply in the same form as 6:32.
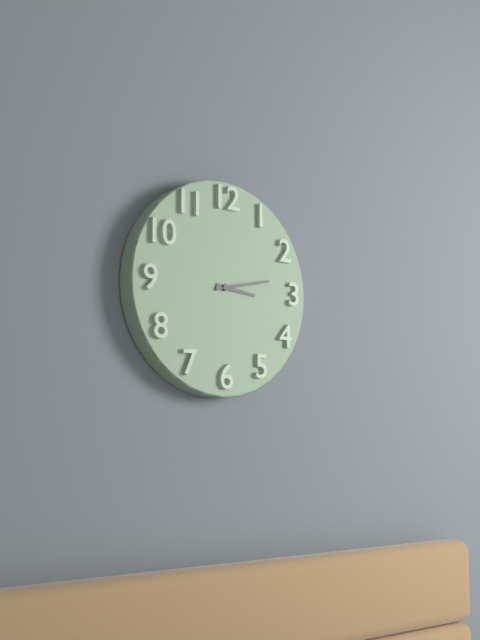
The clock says 3:13
